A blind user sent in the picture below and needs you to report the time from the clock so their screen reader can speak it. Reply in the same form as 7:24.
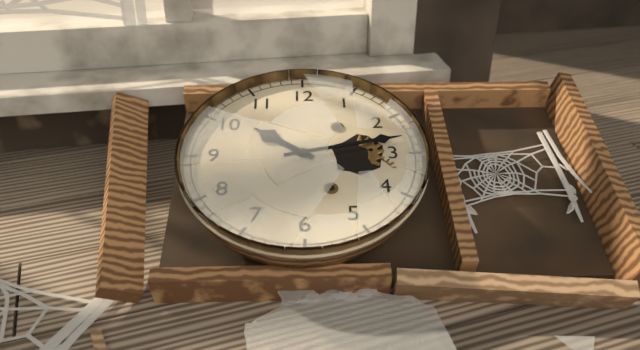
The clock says 10:13
